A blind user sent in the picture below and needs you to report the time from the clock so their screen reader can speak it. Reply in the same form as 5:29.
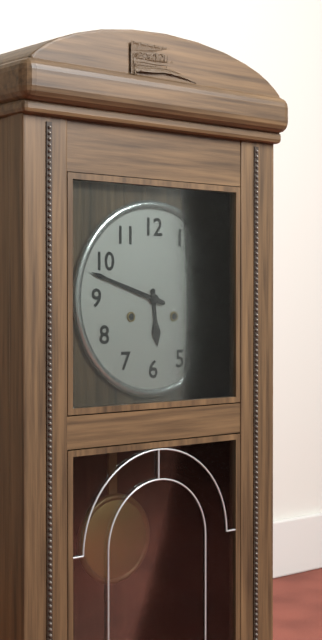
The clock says 5:48
